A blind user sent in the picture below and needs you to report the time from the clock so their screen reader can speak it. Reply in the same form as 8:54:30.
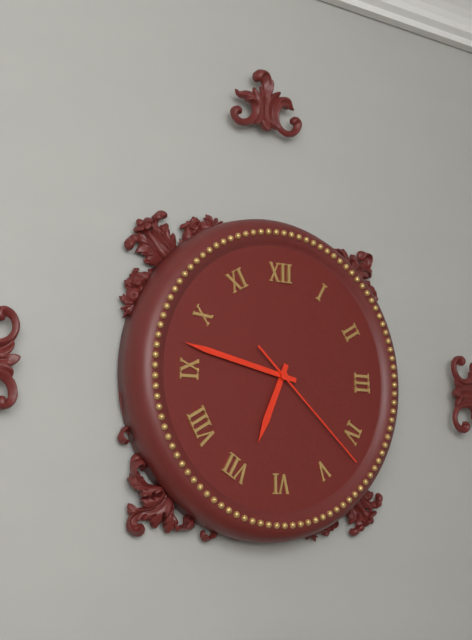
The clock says 6:47:22
